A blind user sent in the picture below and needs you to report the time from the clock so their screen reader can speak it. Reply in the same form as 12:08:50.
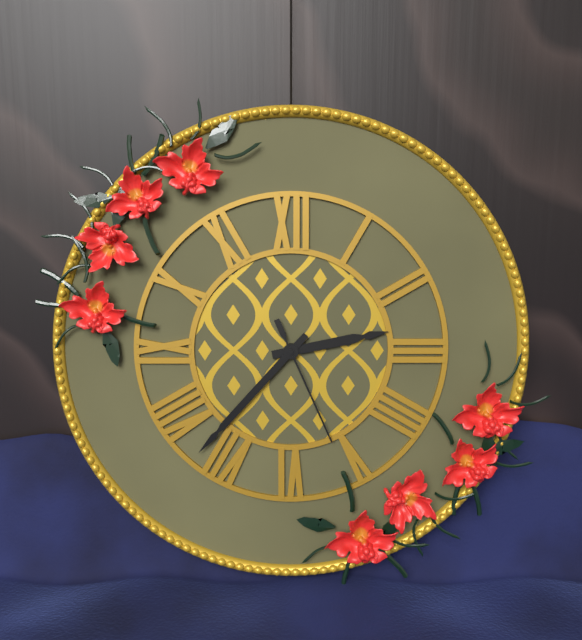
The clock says 2:37:26
